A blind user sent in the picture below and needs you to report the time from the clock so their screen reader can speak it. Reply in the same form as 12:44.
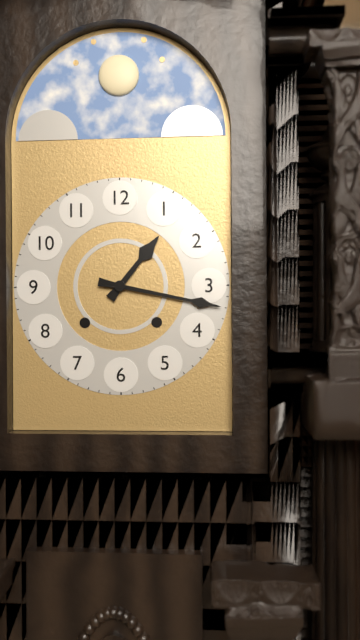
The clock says 1:17
